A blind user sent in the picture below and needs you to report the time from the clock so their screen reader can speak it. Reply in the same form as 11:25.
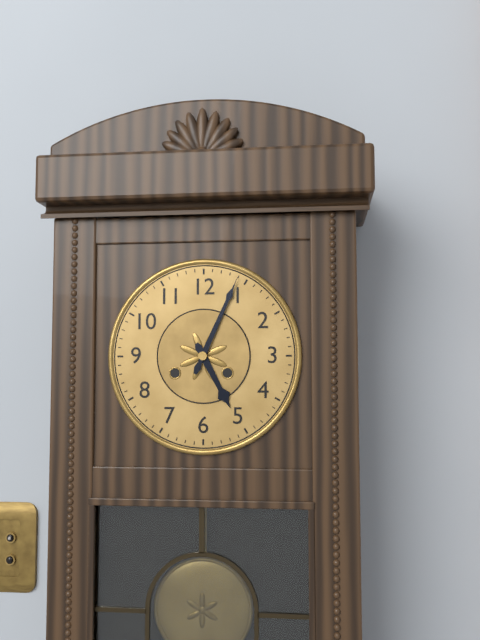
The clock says 5:04
